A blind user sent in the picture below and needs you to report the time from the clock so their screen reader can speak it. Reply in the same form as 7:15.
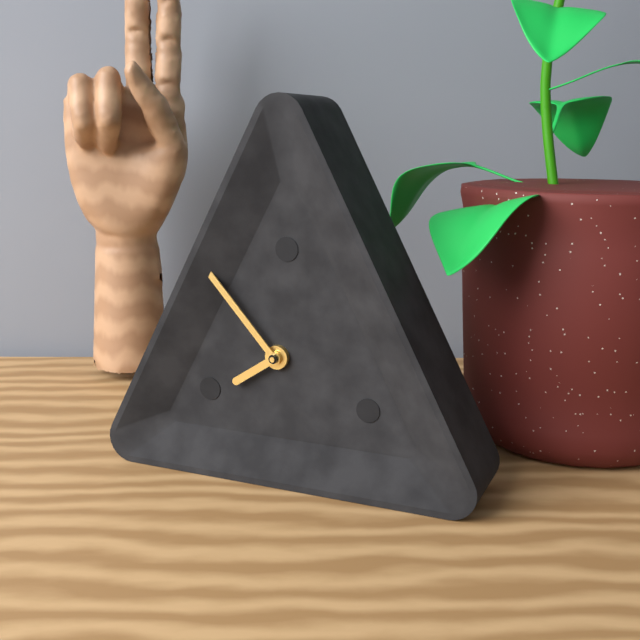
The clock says 7:53
